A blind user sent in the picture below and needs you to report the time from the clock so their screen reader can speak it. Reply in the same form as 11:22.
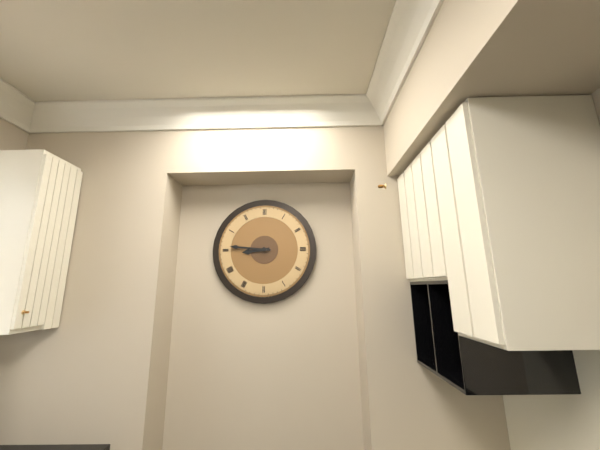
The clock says 8:46
